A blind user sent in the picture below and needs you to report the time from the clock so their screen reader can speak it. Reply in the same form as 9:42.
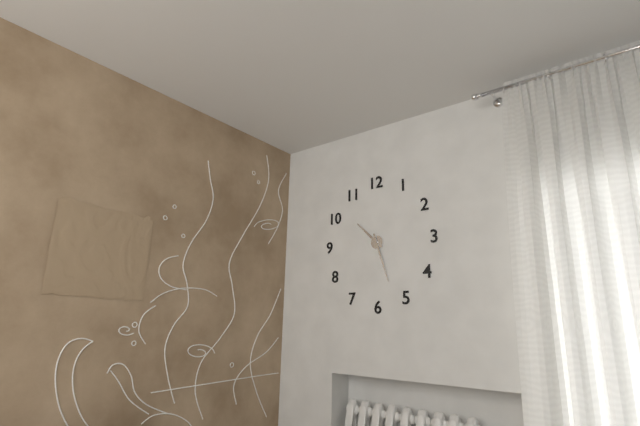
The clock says 10:27
